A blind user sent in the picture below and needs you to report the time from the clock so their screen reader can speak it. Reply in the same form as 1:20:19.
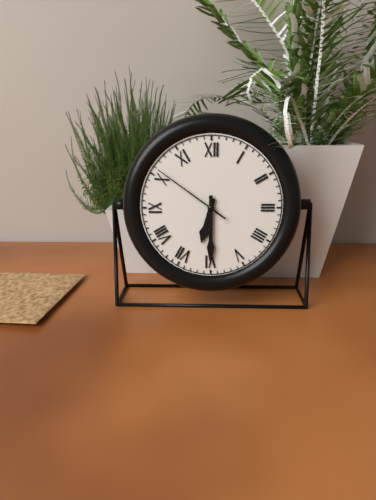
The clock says 6:30:51
